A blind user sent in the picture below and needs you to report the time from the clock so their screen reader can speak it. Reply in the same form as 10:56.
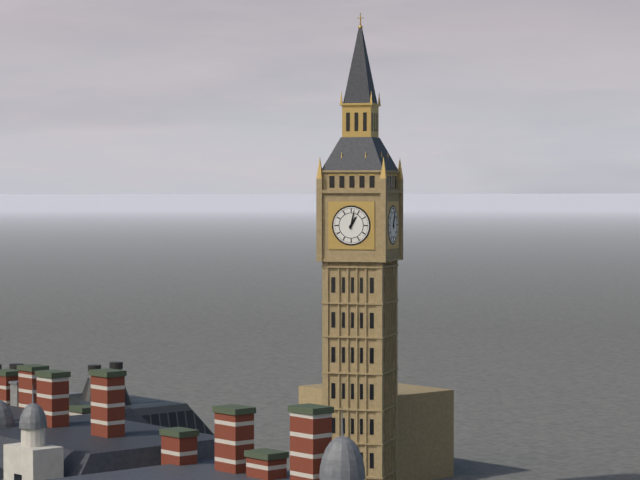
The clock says 1:02
